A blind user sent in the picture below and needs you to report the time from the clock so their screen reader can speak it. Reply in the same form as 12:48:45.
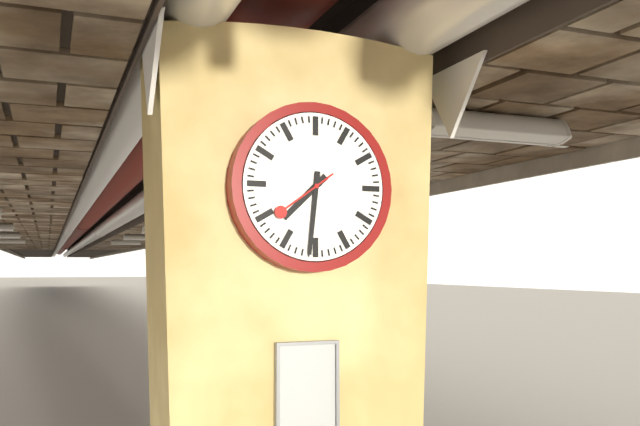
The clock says 7:31:39
